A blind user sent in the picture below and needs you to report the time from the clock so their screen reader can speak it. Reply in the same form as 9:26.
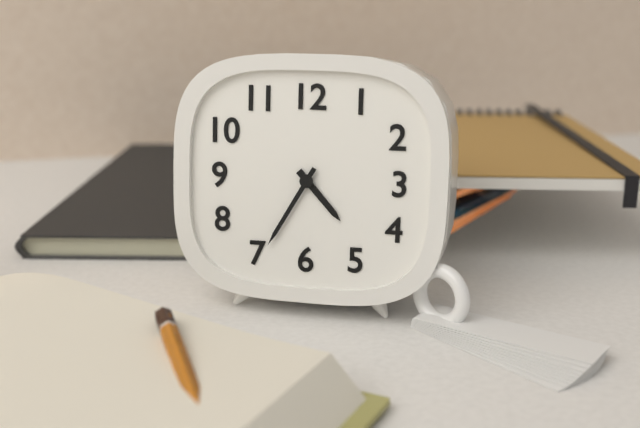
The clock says 4:35
